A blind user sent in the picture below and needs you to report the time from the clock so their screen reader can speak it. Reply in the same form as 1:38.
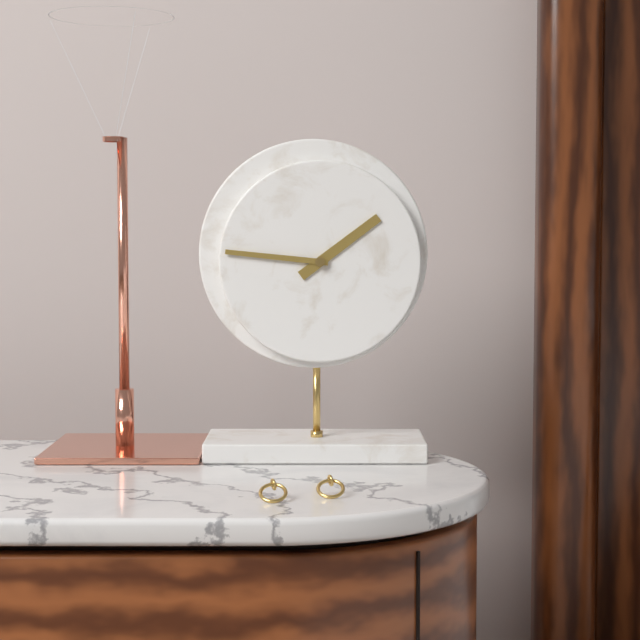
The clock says 1:46
